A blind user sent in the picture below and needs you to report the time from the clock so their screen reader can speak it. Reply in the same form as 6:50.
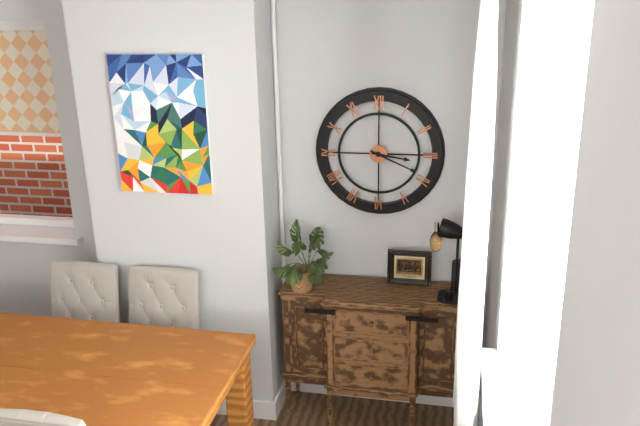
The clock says 3:19
